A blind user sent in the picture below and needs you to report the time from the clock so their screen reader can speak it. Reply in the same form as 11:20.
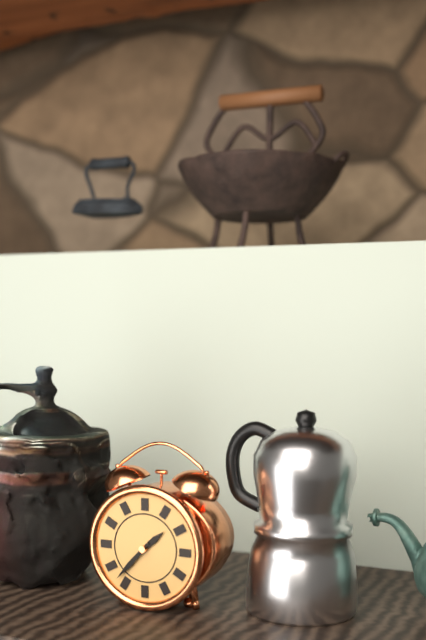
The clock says 1:37
